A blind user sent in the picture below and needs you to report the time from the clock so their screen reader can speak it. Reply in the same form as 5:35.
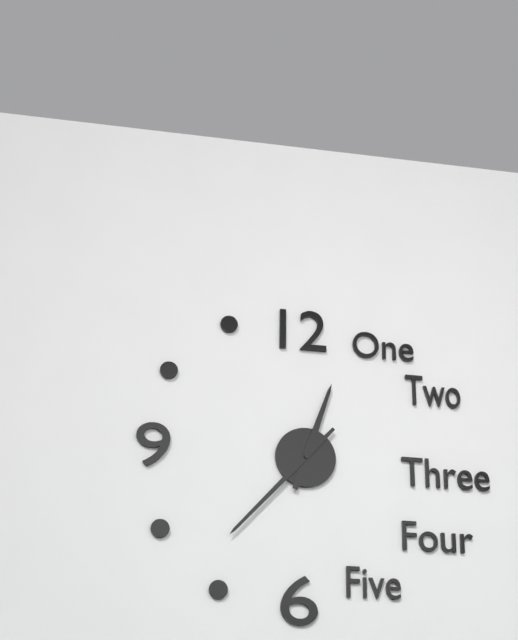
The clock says 12:37
